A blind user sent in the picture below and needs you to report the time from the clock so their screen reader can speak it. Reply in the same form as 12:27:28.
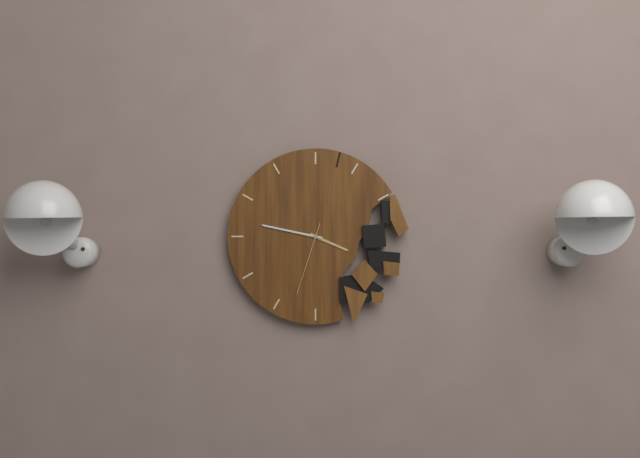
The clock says 3:47:33
